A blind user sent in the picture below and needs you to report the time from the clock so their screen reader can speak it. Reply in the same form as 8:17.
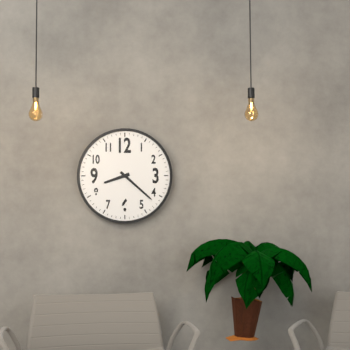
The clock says 8:22
